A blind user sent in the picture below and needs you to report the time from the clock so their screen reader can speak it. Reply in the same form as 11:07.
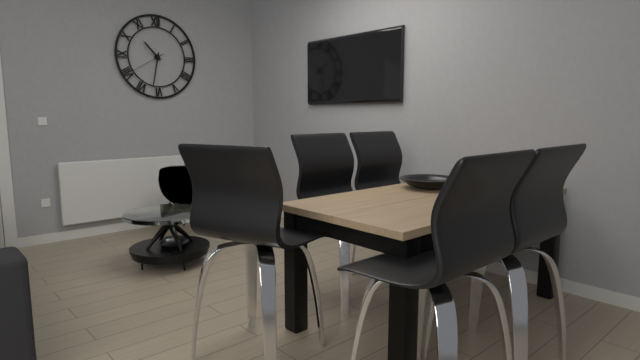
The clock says 10:32
